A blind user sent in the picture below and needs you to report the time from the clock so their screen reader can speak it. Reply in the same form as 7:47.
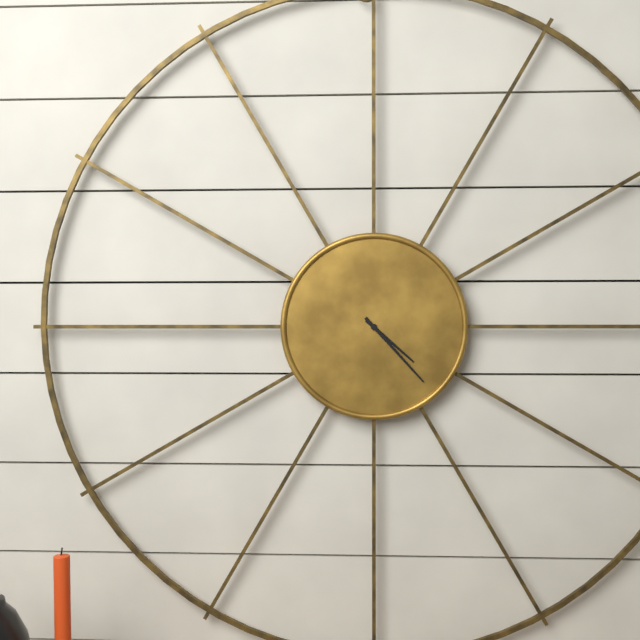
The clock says 4:23
